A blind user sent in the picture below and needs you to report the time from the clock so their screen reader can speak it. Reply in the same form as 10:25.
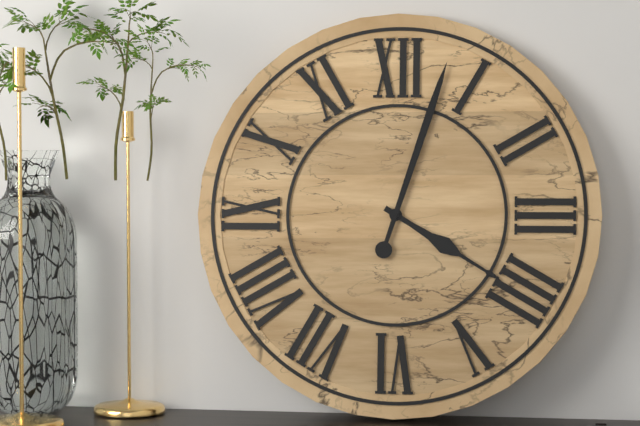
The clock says 4:03
